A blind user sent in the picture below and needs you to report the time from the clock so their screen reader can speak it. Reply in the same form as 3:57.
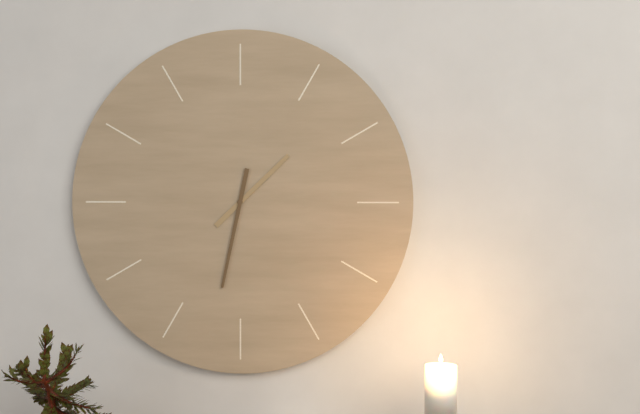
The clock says 1:32
